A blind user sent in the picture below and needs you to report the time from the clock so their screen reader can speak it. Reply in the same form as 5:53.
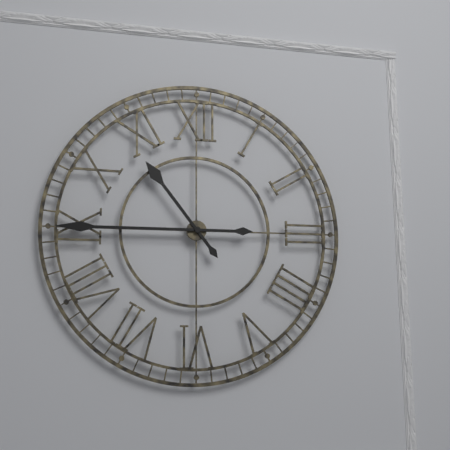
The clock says 10:45
